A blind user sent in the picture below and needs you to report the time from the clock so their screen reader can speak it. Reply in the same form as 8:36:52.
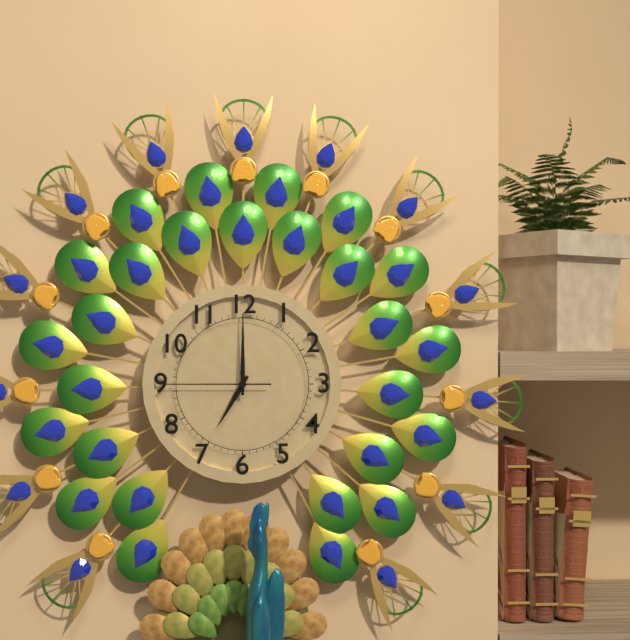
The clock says 7:00:45
